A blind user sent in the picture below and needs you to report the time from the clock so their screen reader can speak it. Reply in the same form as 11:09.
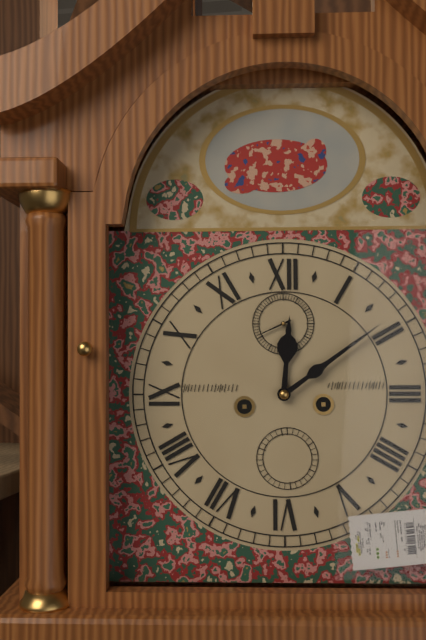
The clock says 12:09
